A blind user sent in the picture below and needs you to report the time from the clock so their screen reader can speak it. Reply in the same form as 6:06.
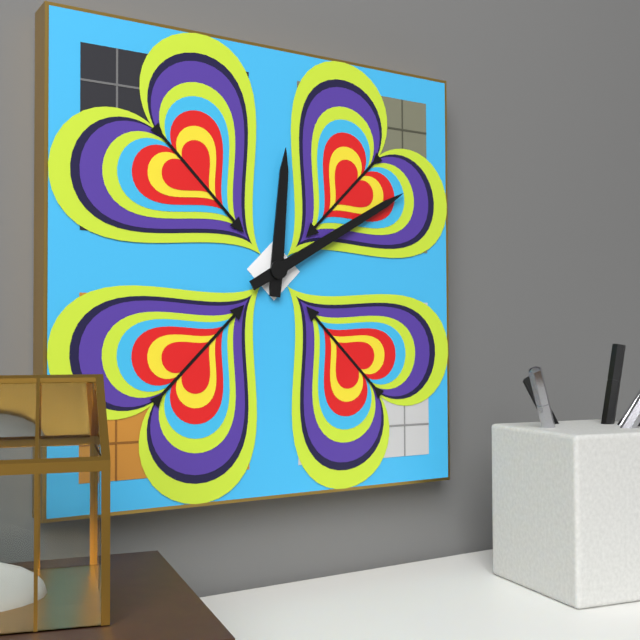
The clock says 12:10
